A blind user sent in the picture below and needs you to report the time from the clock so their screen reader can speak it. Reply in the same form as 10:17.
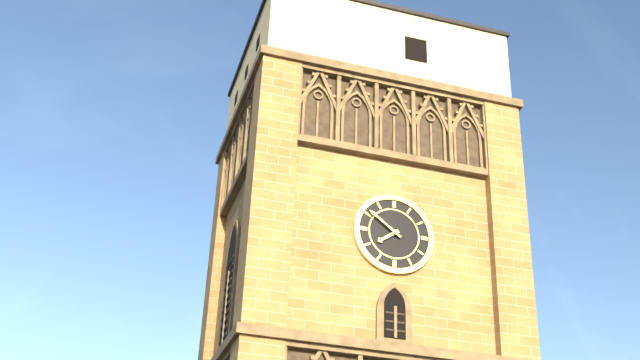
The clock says 7:51
